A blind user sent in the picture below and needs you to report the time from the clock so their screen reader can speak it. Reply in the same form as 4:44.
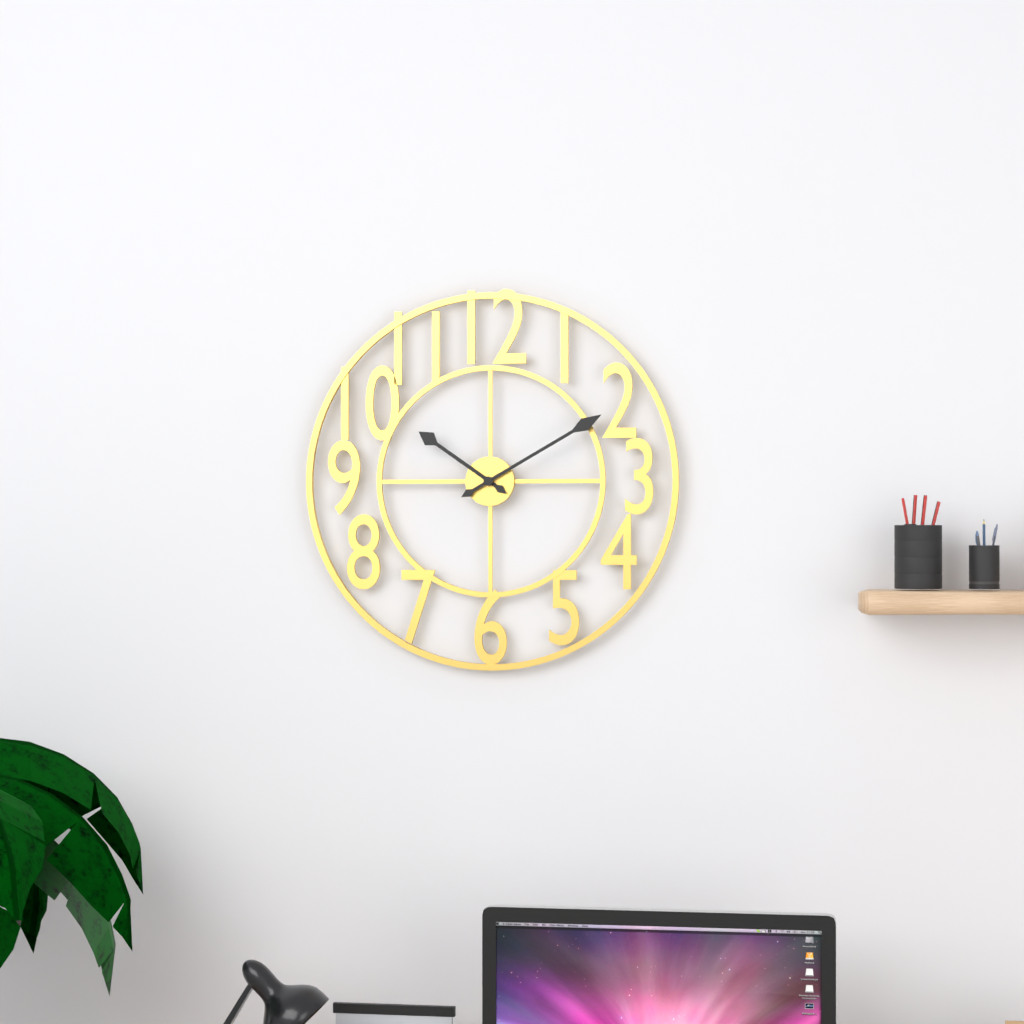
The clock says 10:10
